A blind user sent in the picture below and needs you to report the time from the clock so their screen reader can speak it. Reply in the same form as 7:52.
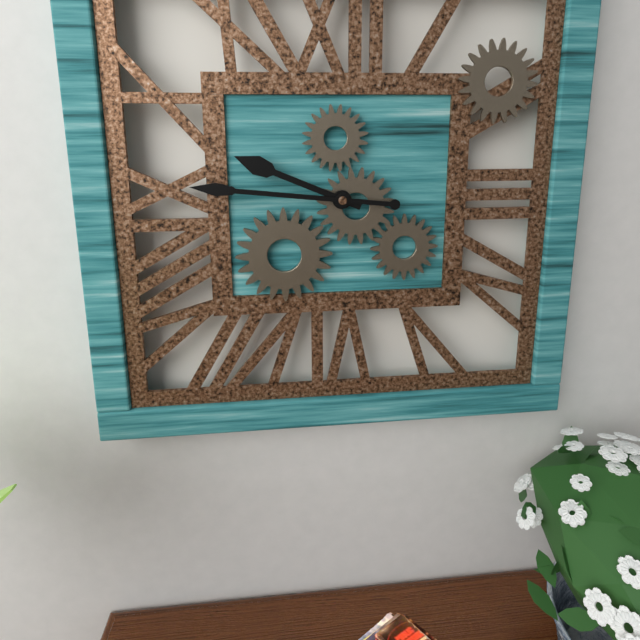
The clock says 9:46
